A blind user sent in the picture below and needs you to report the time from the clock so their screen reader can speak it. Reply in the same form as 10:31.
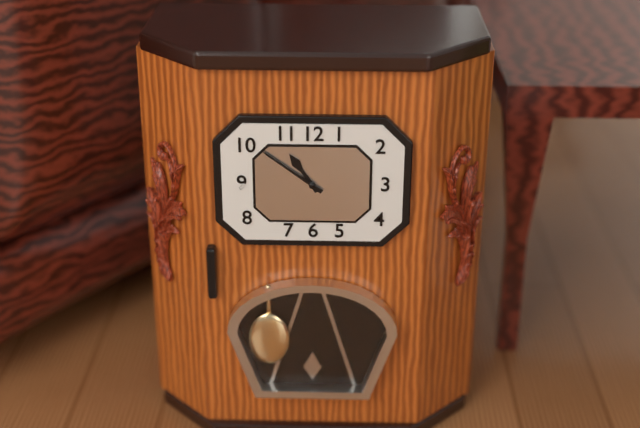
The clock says 10:51
